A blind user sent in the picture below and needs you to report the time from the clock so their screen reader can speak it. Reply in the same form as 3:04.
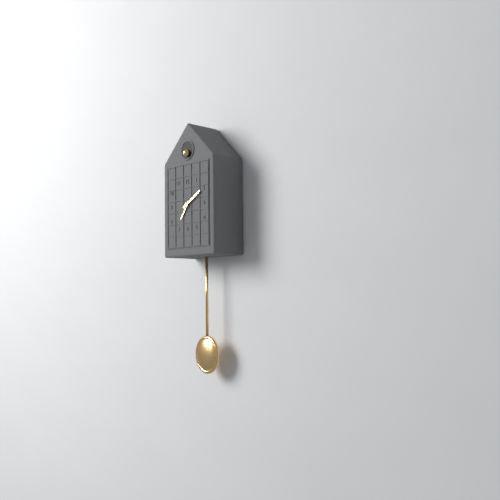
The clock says 7:10
